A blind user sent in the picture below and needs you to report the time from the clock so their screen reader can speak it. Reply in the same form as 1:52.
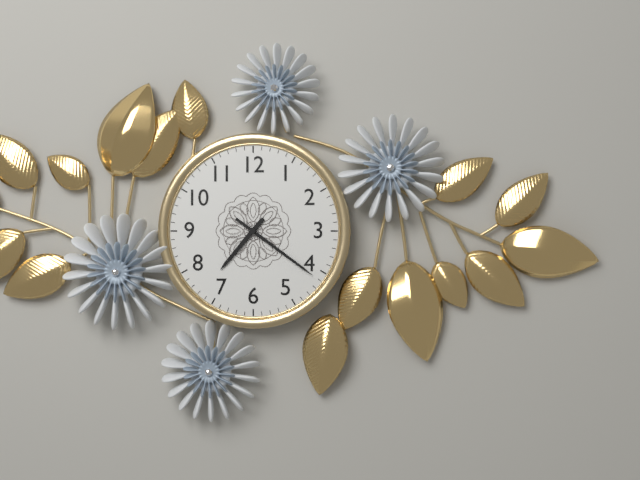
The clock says 7:21
